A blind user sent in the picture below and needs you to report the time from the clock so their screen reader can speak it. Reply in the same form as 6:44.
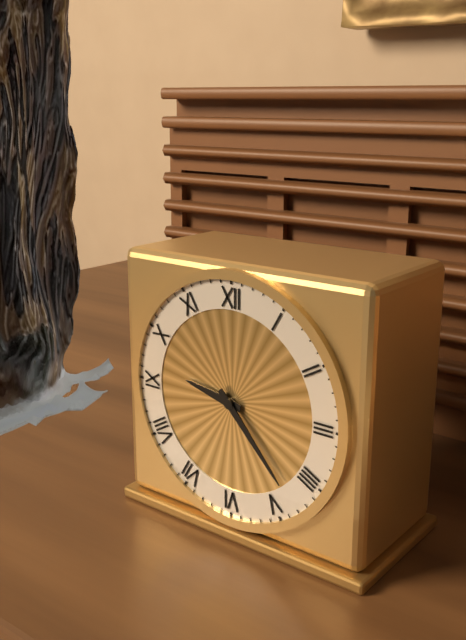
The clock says 9:23
